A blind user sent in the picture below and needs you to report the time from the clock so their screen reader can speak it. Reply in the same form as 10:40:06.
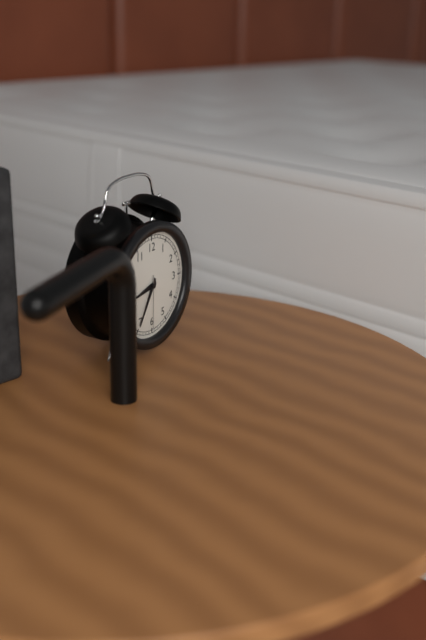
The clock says 8:35:30
